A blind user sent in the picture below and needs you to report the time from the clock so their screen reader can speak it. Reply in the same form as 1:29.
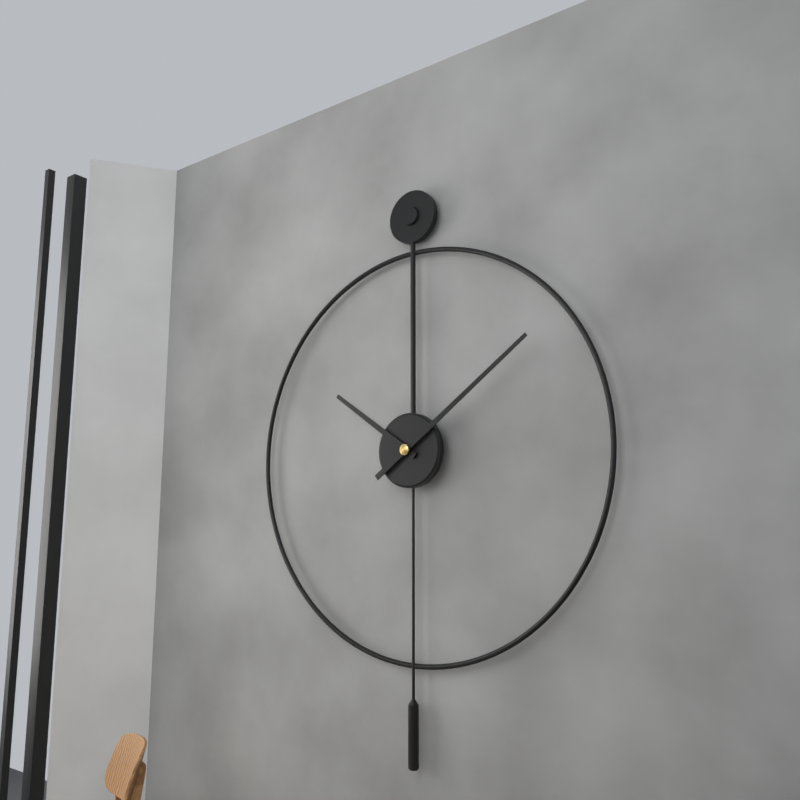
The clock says 10:09
